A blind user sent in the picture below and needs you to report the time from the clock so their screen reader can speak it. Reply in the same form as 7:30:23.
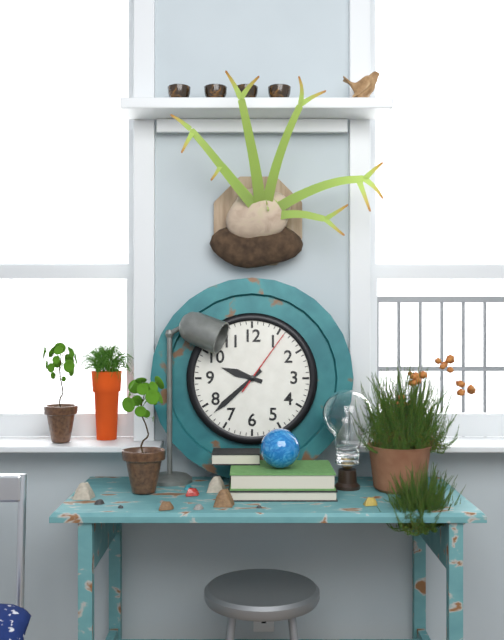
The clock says 9:38:06
